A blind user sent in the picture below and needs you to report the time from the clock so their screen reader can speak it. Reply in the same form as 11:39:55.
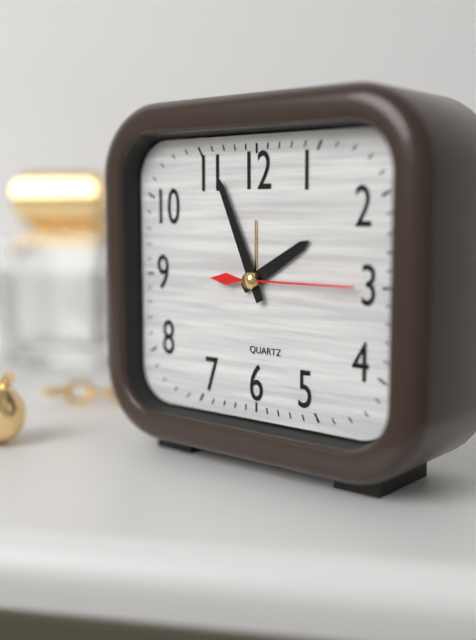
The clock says 1:56:15
